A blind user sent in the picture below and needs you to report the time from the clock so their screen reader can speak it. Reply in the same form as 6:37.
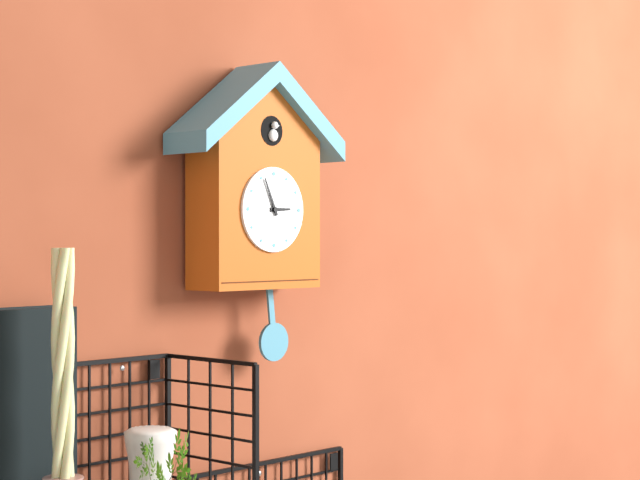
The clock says 2:56
